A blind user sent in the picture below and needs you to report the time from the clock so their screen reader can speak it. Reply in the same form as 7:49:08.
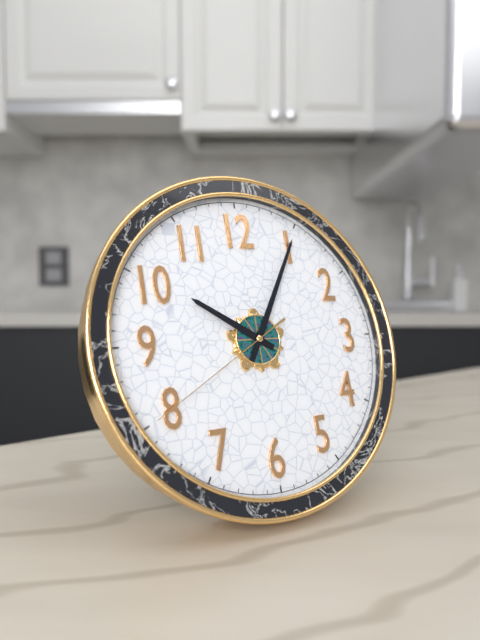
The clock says 10:05:40
